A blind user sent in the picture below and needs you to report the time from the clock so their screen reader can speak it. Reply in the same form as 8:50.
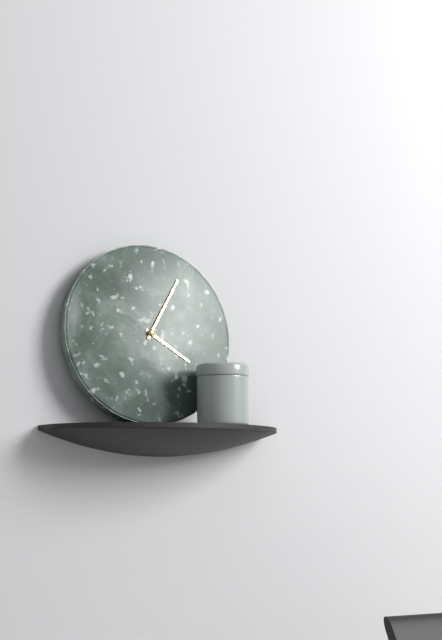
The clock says 4:05
